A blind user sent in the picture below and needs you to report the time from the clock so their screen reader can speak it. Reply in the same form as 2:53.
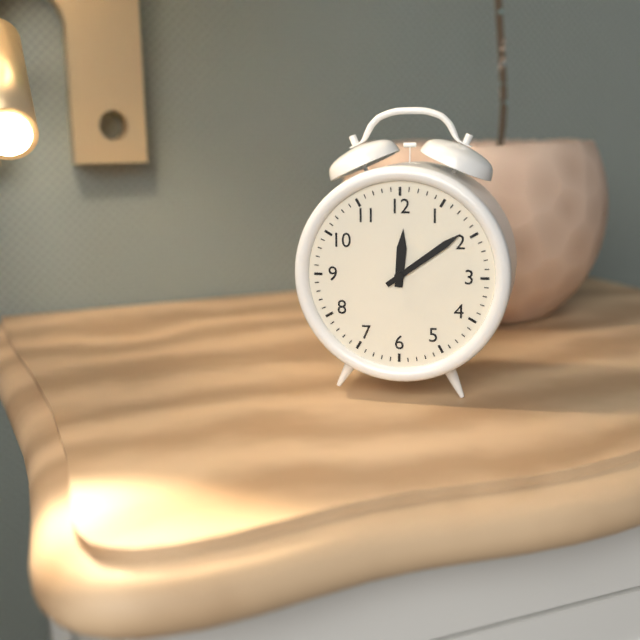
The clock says 12:09
